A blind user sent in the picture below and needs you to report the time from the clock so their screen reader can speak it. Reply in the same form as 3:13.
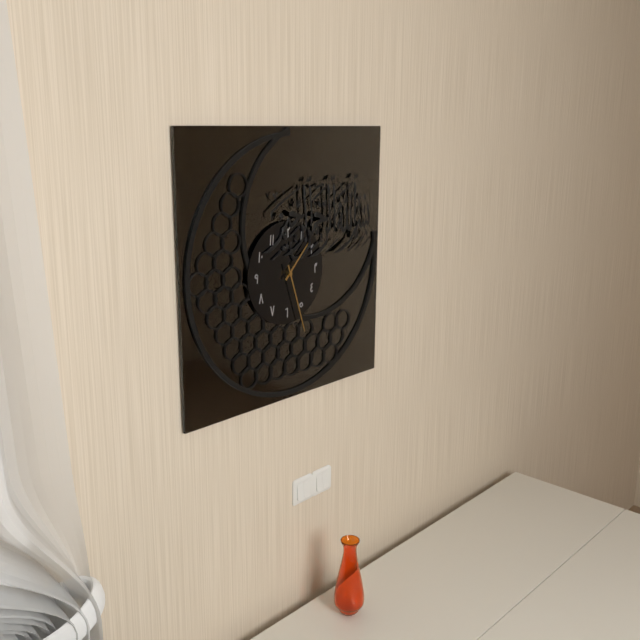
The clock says 1:27
